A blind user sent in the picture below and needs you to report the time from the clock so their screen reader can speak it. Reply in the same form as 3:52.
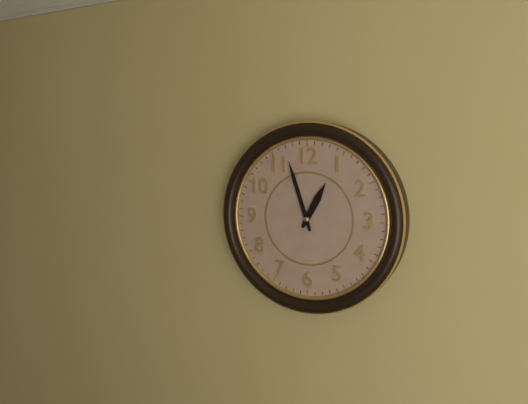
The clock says 12:57
